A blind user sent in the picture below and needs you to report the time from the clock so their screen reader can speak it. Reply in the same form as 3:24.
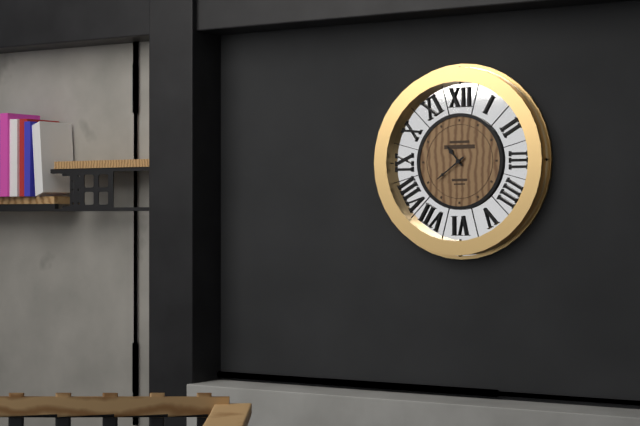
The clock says 10:39
